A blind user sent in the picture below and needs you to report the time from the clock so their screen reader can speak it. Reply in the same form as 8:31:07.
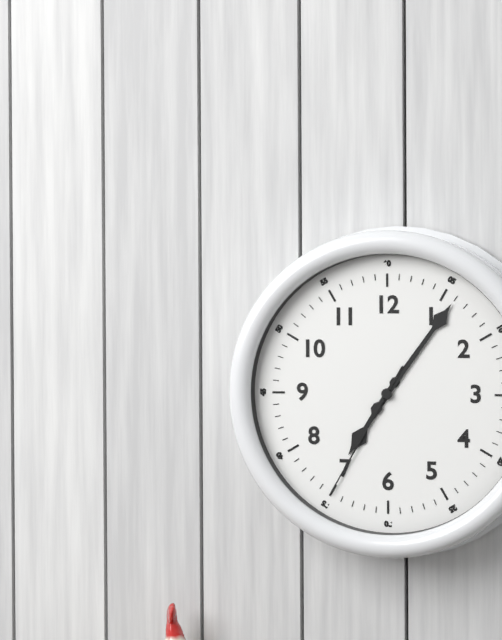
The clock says 7:06:35
